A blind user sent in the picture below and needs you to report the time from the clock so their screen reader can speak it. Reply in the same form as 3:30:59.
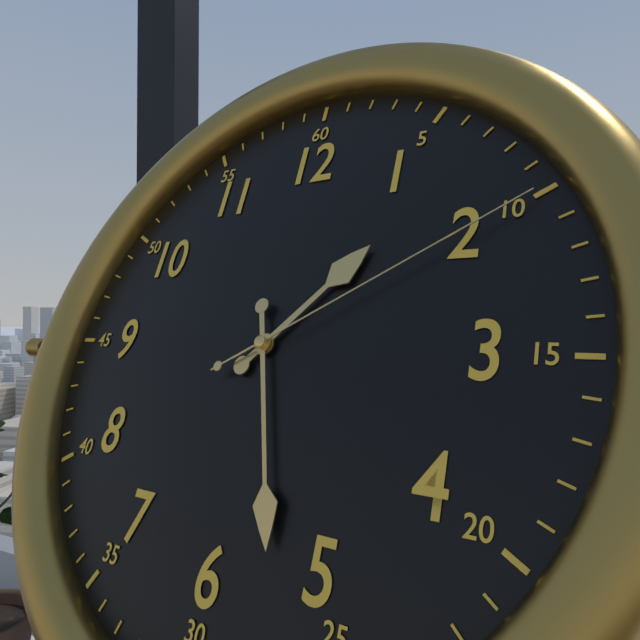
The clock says 1:27:10
